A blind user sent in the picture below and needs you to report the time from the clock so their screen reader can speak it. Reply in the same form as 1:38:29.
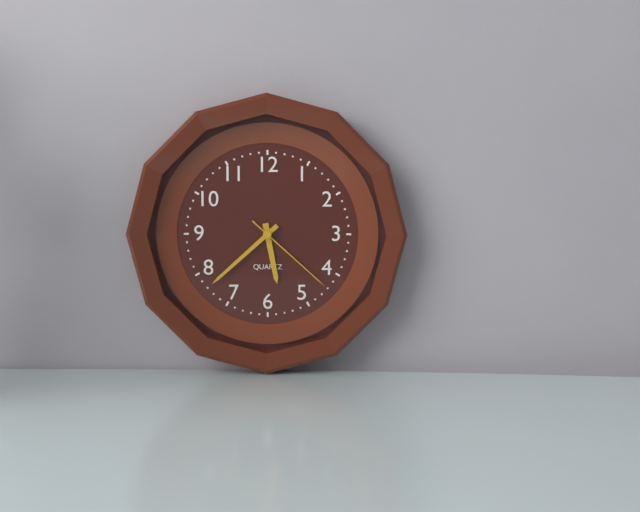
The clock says 5:38:22
